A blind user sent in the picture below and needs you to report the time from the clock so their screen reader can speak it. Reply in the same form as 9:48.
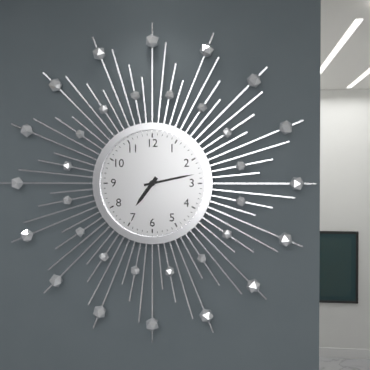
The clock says 7:13
